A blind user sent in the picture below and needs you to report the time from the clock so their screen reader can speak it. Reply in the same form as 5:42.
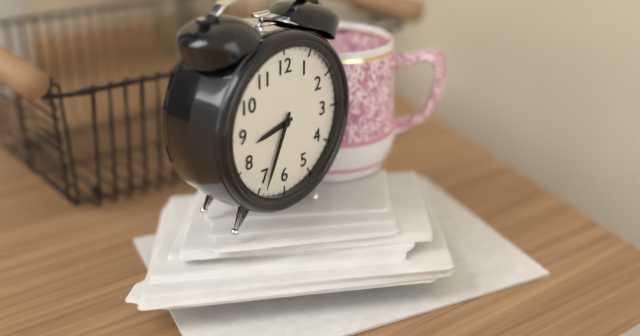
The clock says 8:34
